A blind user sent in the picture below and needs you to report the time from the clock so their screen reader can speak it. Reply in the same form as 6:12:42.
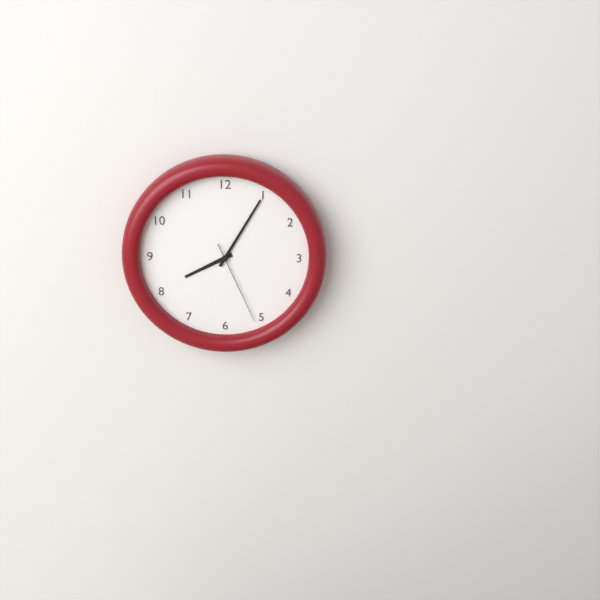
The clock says 8:05:26
